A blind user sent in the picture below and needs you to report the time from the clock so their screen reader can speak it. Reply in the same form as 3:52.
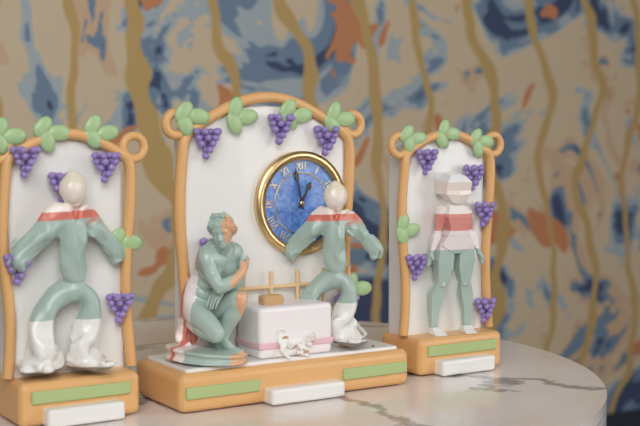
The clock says 12:58
